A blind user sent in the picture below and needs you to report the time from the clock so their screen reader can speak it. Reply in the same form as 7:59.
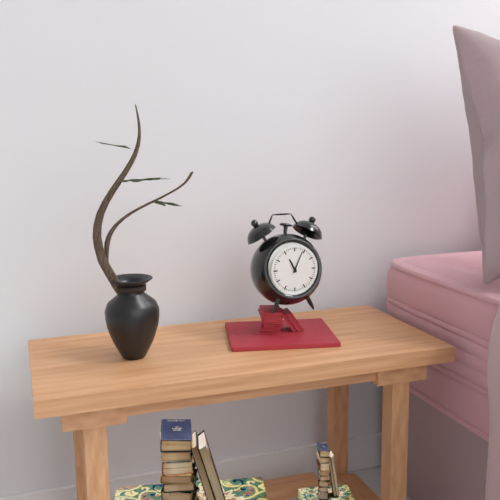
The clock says 11:04
